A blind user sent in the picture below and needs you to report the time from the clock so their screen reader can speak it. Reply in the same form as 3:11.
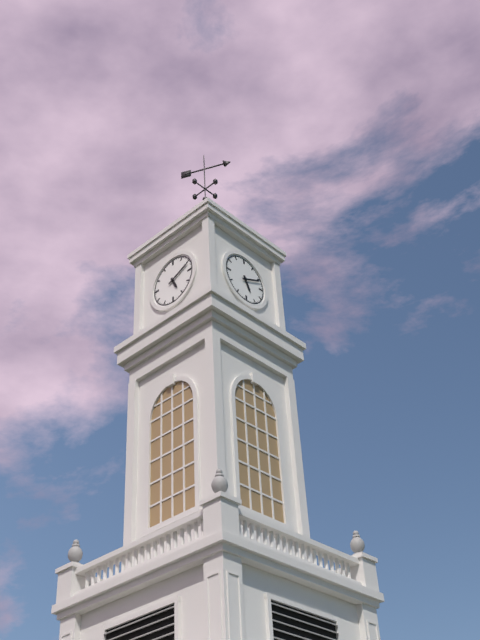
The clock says 5:11
